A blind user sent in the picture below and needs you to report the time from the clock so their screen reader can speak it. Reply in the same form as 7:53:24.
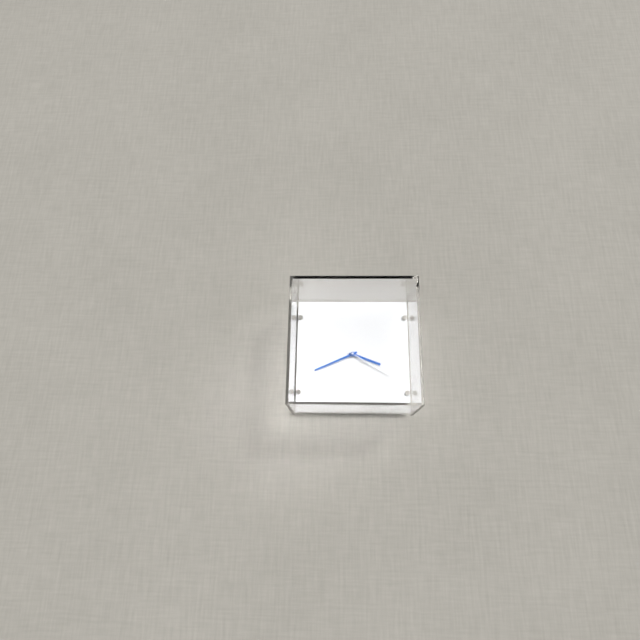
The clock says 3:41:20
